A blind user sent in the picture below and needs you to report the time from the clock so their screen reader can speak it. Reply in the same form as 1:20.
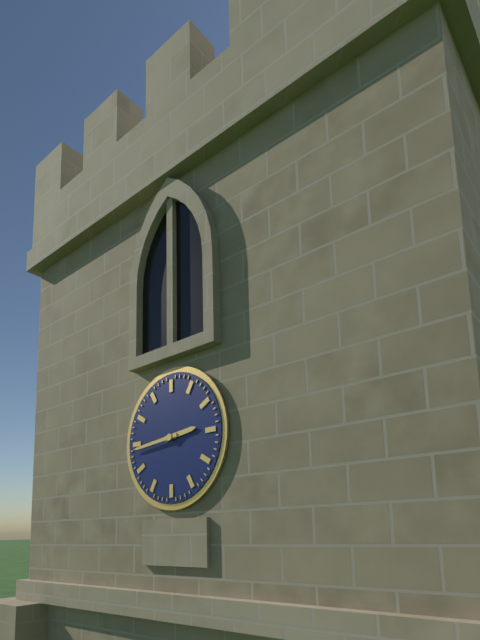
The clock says 2:44
